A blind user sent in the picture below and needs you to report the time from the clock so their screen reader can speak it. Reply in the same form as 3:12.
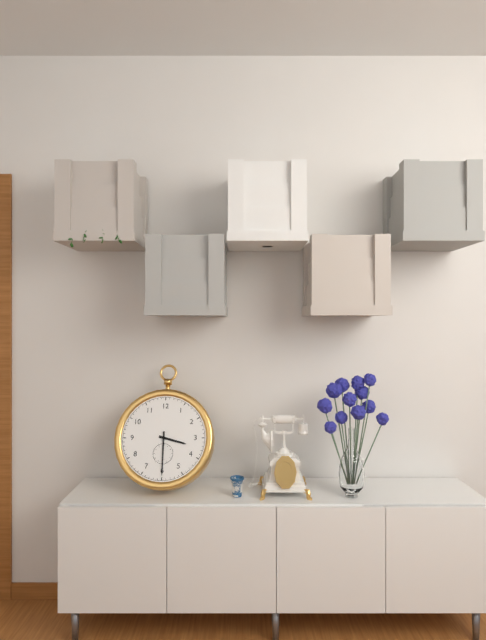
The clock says 3:30
